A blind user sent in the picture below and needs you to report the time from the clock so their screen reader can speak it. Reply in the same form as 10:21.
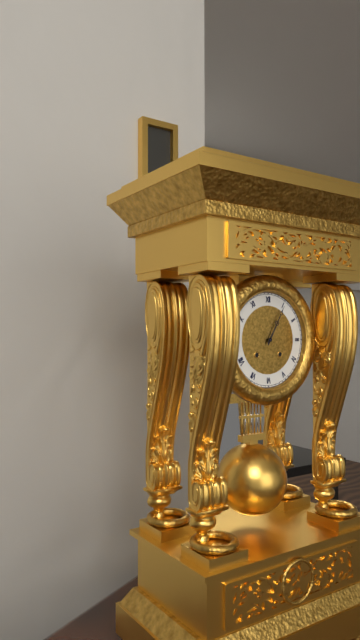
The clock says 1:05
